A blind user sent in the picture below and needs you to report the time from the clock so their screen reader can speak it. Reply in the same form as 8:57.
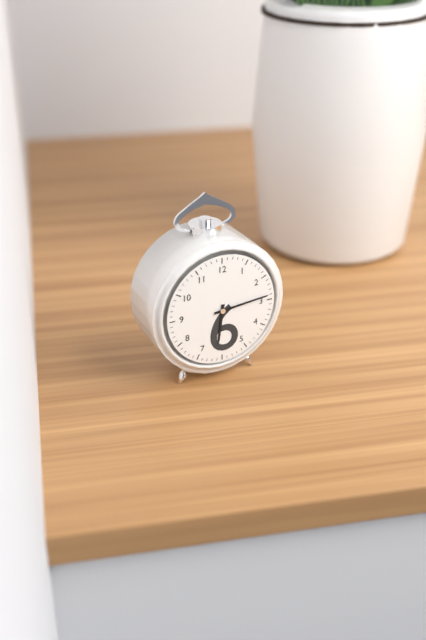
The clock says 6:14
